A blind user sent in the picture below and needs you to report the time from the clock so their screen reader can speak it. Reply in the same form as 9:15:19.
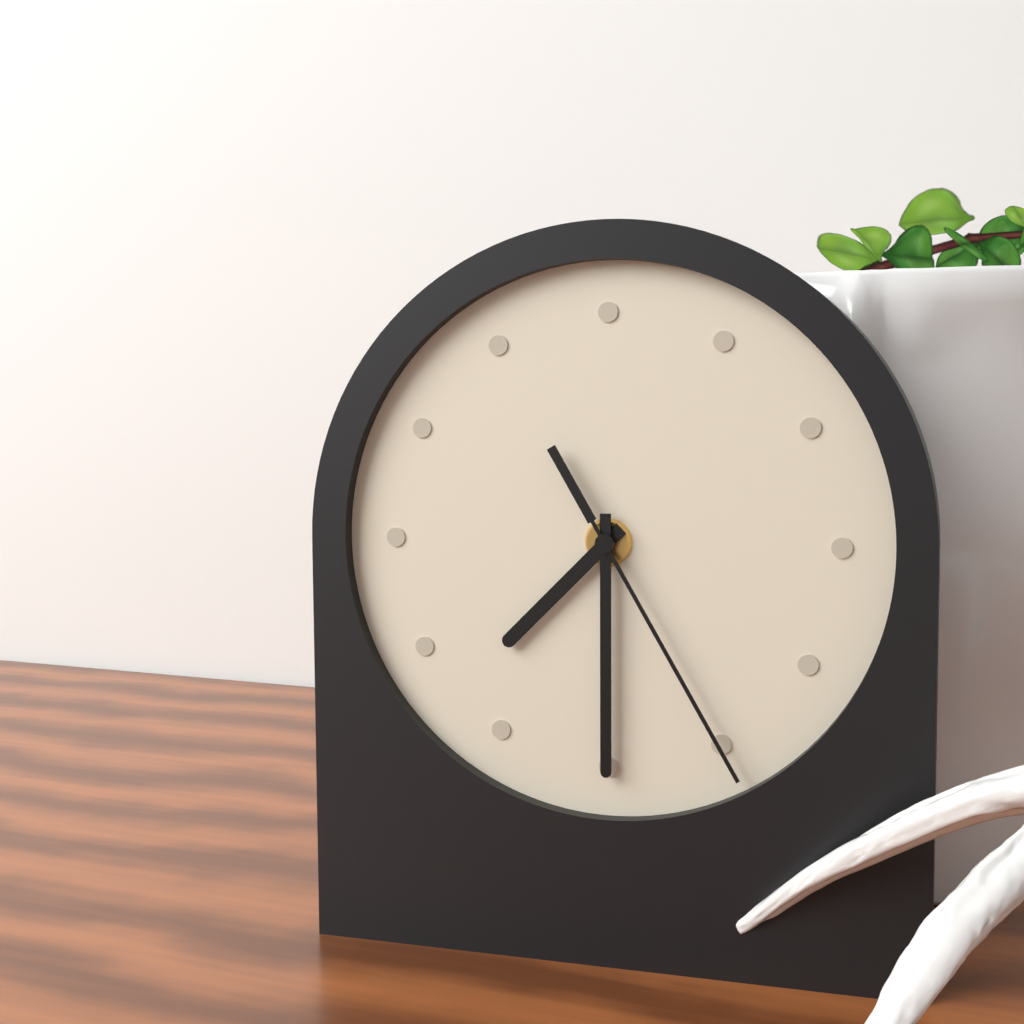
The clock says 7:30:25
